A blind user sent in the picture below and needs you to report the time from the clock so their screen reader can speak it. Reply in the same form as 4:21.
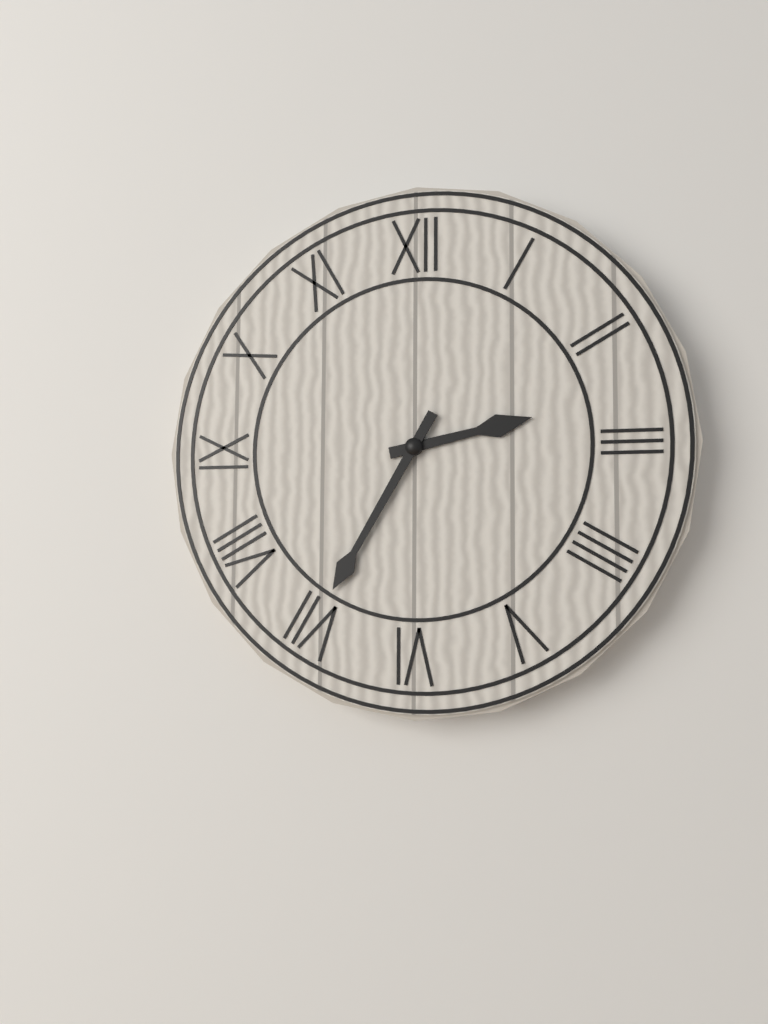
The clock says 2:35
